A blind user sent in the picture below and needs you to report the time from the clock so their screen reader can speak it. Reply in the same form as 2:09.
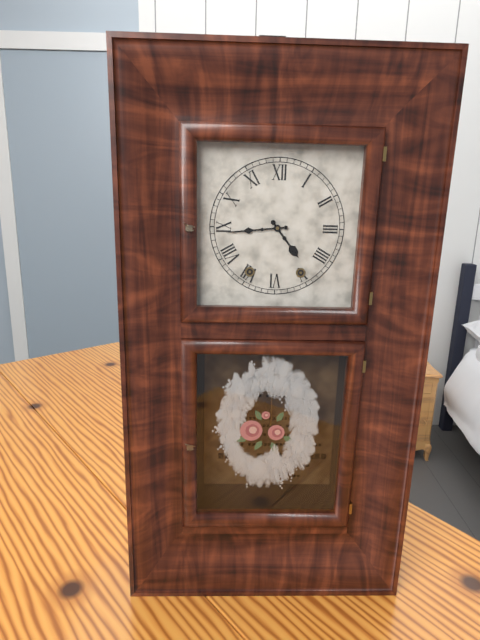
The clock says 4:44
